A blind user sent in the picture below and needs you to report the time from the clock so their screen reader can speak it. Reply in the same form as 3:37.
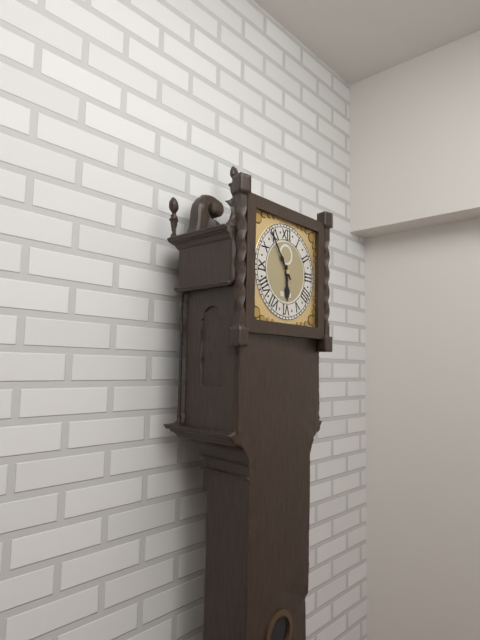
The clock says 5:54
